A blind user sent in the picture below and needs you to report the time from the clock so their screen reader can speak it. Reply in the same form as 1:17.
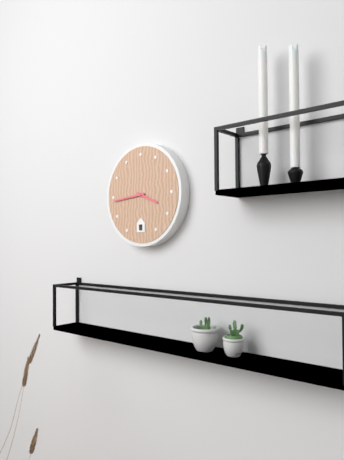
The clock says 3:44
